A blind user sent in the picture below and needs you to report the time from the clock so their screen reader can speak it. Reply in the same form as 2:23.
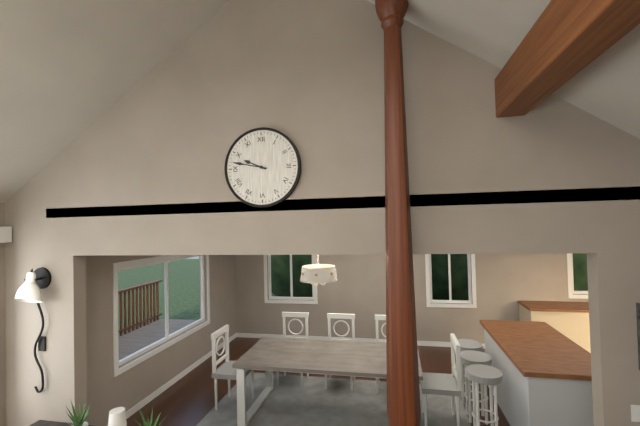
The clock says 9:47
